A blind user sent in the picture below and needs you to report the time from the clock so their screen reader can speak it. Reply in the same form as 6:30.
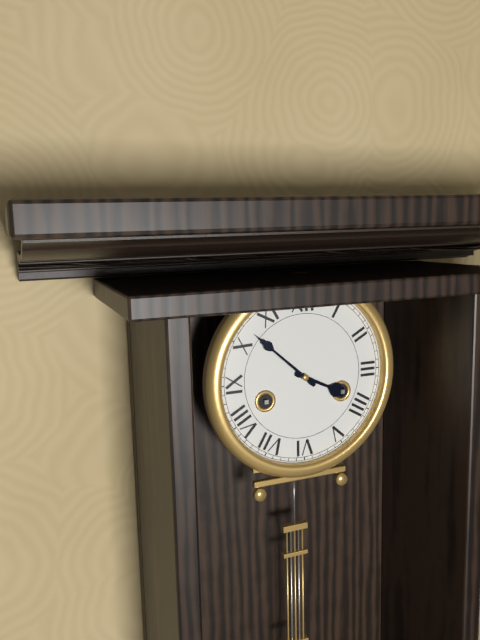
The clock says 3:52
